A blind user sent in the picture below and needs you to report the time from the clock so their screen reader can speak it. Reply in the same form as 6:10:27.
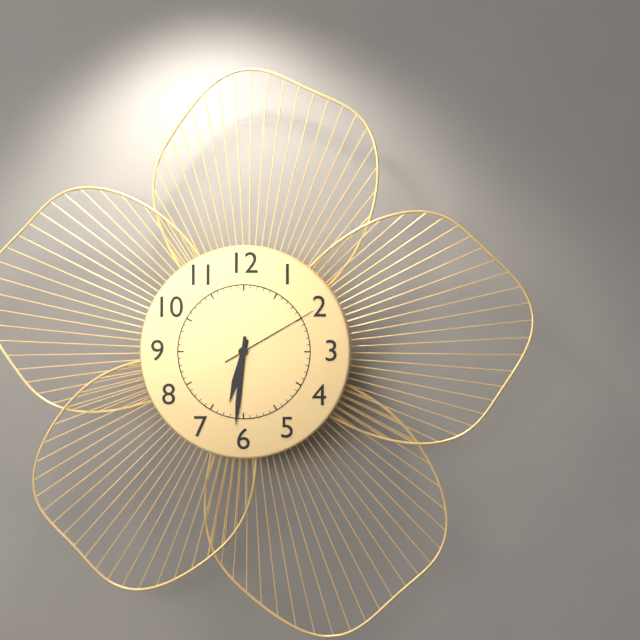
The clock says 6:31:10
